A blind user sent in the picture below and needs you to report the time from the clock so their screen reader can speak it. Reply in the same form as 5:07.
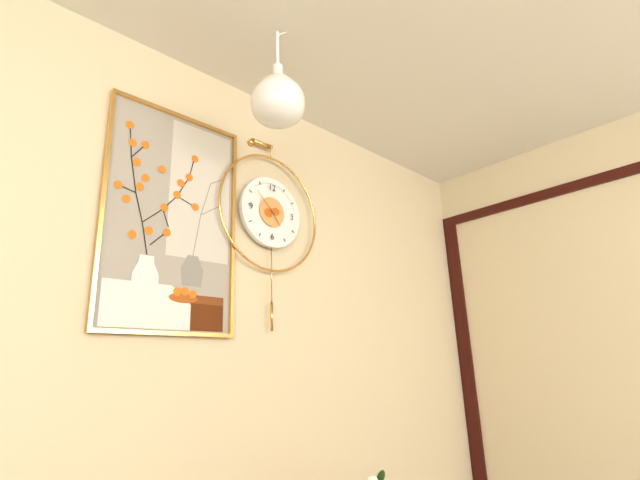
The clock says 4:52
